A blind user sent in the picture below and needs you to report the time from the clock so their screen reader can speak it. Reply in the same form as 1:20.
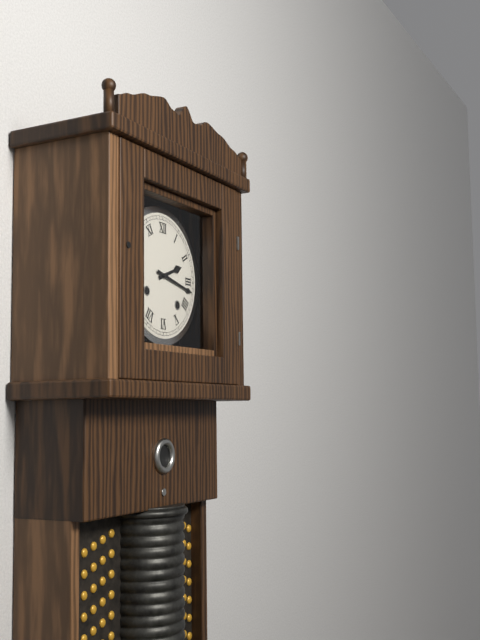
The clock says 2:17
